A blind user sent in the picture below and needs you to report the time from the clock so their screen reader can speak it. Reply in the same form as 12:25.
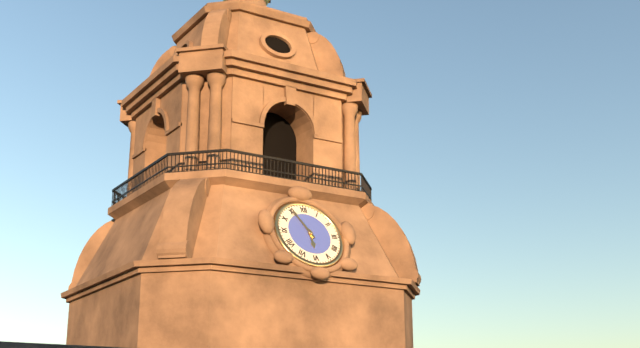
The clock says 5:55
